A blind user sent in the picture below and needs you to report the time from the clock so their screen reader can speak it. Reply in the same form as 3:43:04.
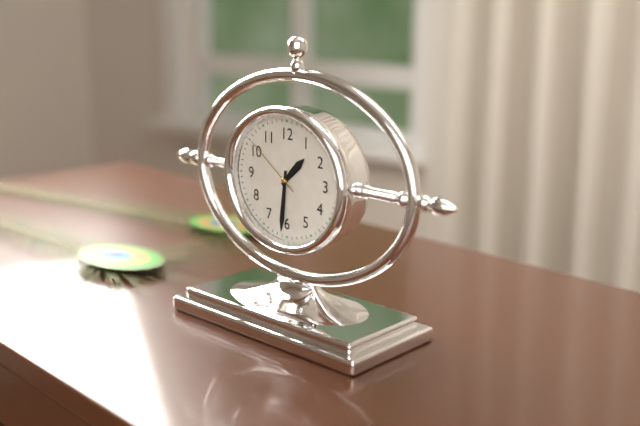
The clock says 1:31:51
